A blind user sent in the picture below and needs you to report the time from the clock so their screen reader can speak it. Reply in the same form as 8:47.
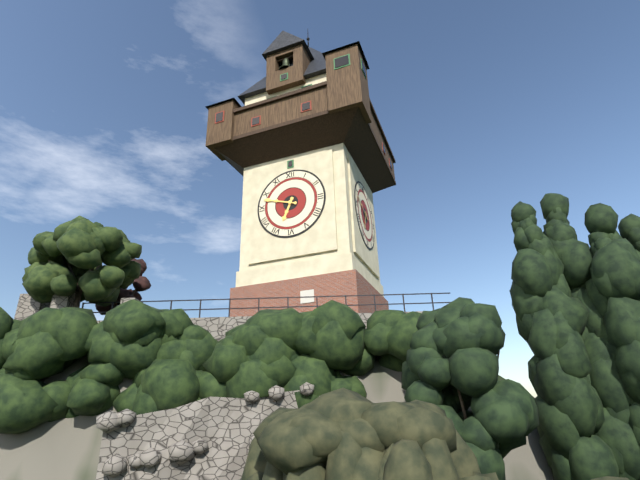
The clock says 6:48
